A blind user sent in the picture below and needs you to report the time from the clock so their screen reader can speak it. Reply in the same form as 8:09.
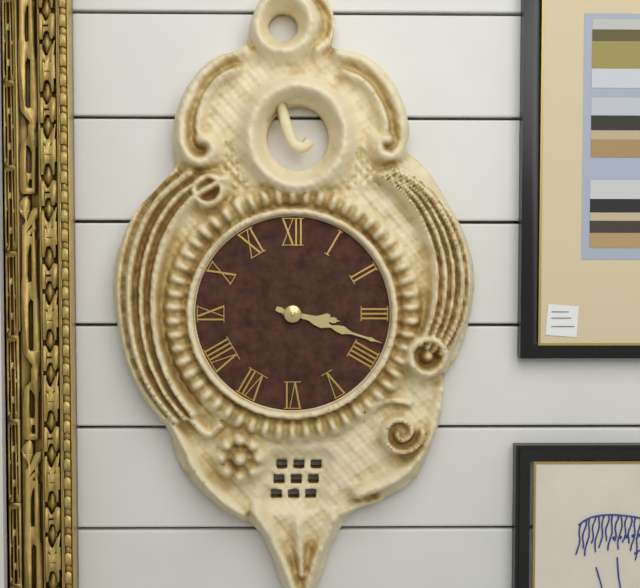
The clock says 3:18
